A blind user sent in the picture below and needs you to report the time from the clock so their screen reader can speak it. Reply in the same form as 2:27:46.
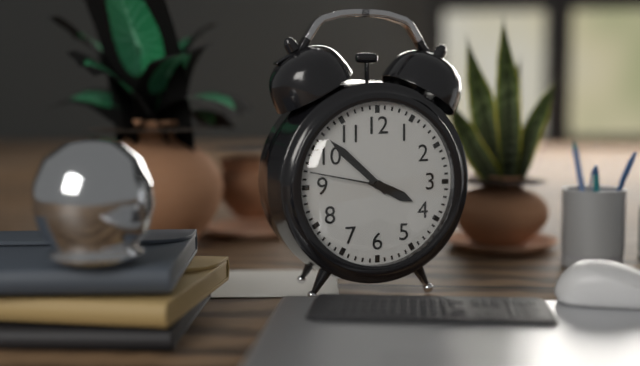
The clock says 3:52:47
